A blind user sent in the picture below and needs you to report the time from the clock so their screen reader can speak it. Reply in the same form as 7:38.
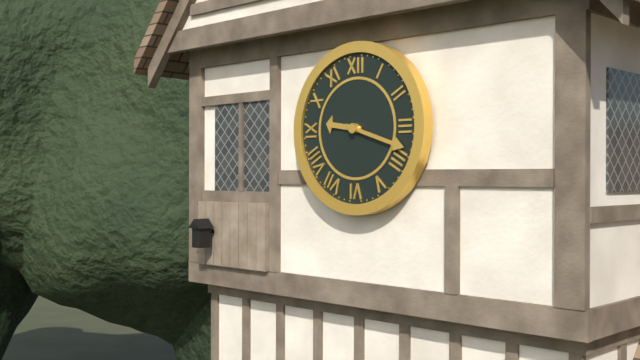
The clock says 9:18
